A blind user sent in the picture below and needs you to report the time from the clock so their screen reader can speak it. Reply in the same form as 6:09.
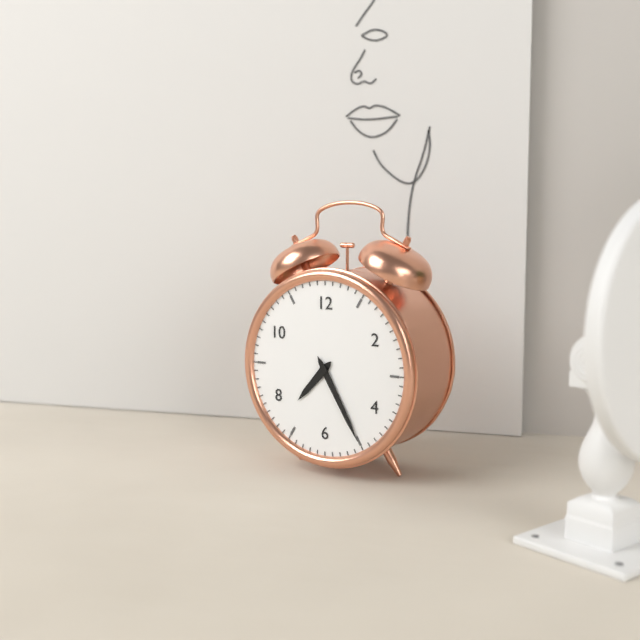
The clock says 7:25
